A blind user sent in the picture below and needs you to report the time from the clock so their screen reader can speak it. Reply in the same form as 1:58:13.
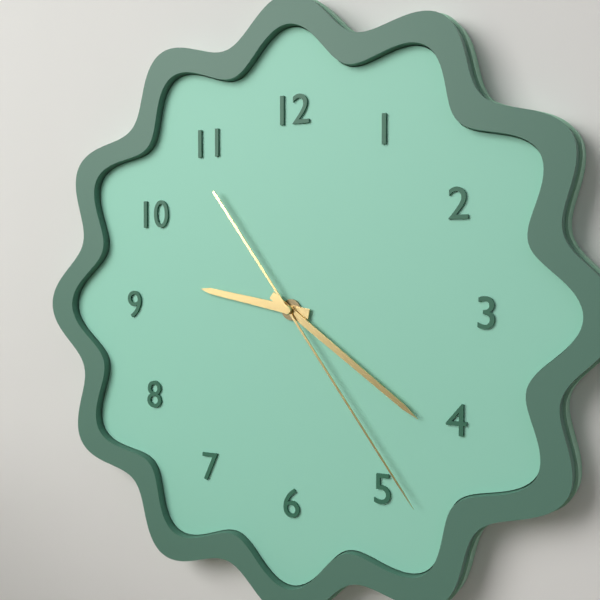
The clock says 9:21:24
